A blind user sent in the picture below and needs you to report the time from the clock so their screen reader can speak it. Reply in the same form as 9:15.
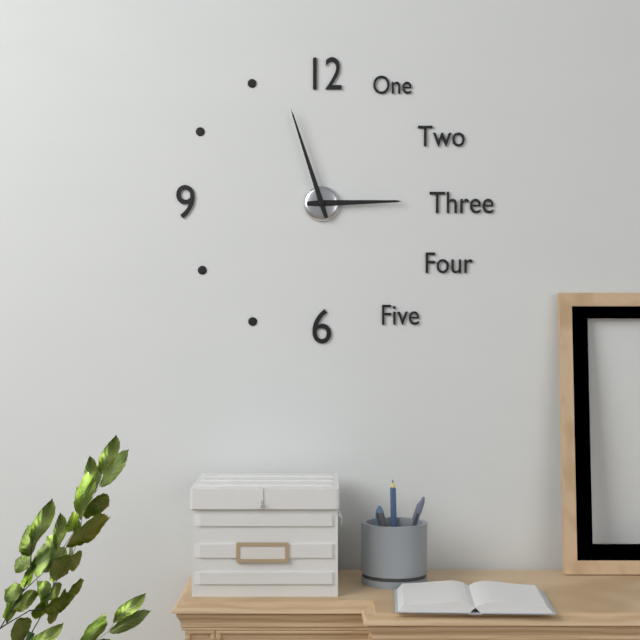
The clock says 2:57
